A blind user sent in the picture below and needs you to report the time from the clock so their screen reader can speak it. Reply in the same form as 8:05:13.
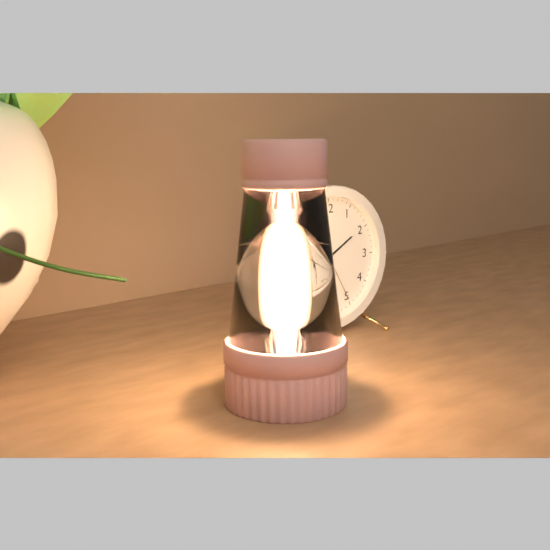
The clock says 1:57:25
